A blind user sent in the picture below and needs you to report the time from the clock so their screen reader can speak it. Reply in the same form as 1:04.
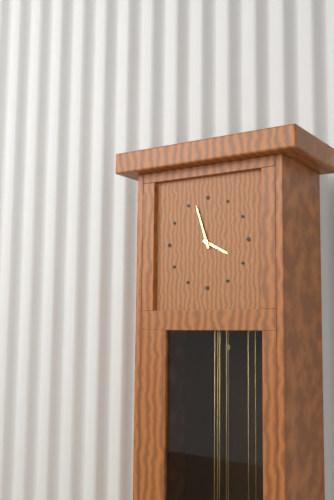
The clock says 3:57
